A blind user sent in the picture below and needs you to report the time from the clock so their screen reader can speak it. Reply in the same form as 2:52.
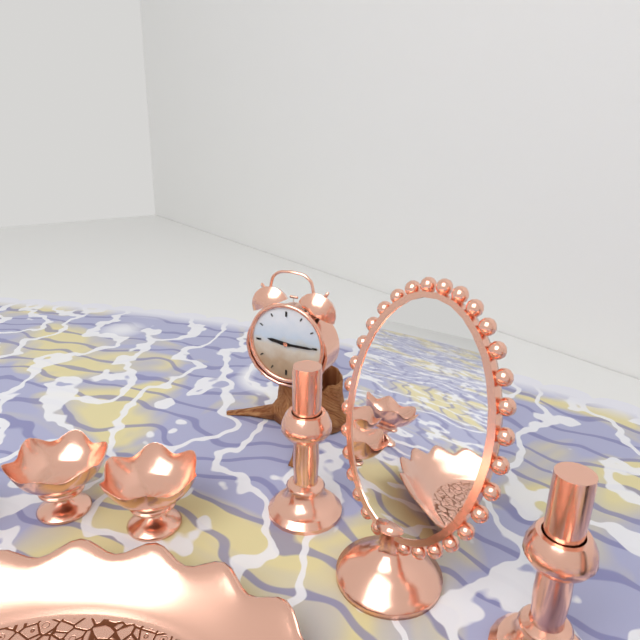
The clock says 9:15
